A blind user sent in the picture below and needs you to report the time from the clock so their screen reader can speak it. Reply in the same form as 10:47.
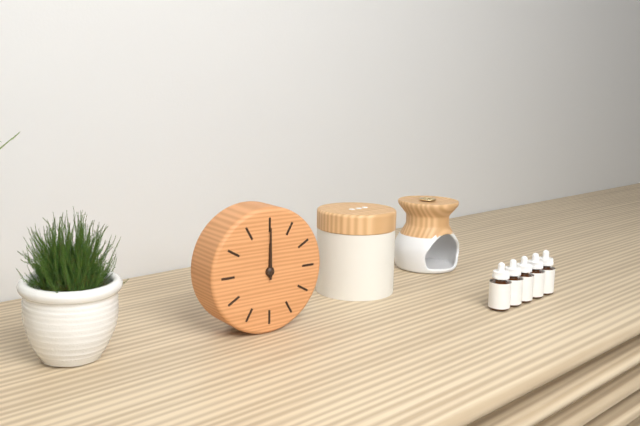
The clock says 12:00
